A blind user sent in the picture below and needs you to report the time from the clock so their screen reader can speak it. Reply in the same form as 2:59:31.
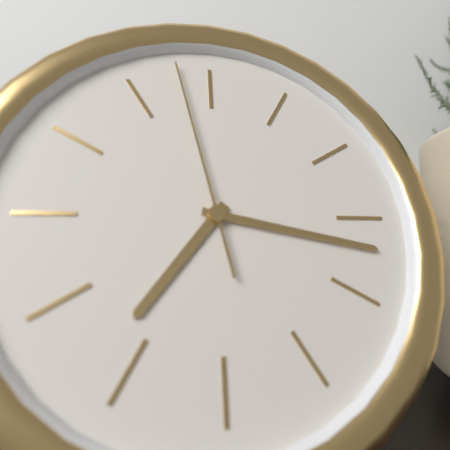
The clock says 7:17:58
